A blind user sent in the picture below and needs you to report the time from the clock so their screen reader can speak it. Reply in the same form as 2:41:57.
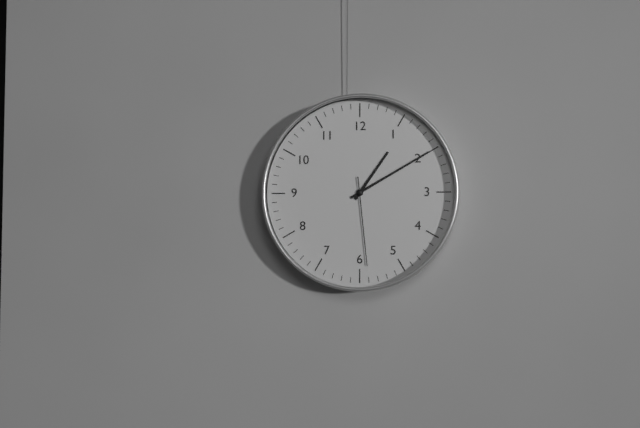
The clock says 1:10:29
